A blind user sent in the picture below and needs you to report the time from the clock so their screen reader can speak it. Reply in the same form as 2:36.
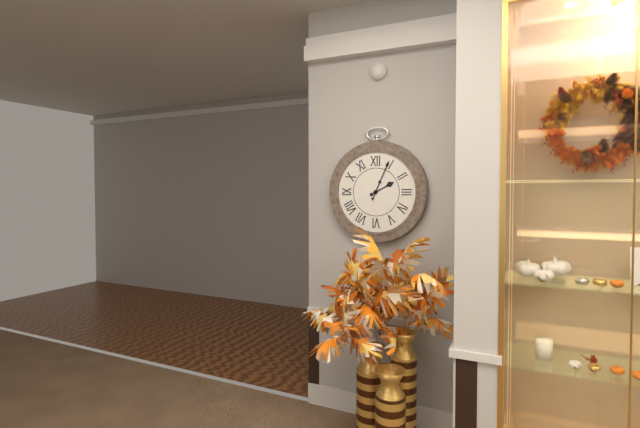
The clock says 2:04
